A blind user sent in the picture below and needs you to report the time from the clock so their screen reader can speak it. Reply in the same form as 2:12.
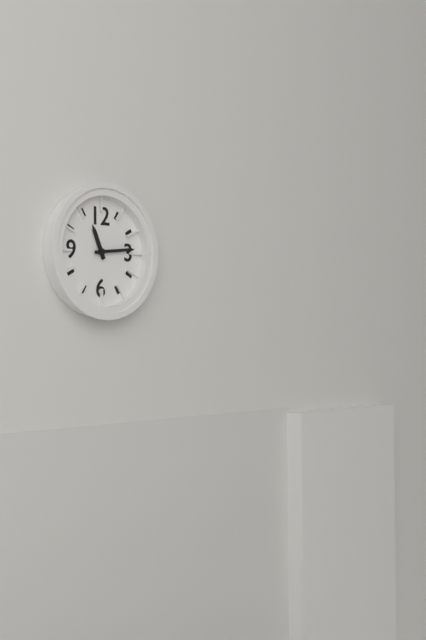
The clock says 11:14
